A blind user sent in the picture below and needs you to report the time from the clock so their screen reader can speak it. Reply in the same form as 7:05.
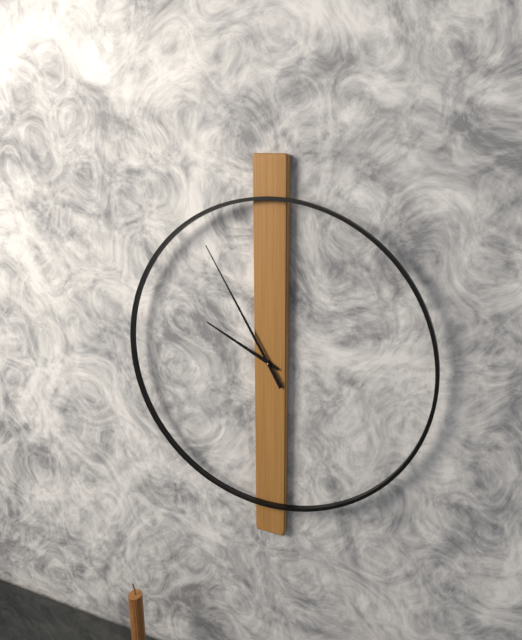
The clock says 9:55
